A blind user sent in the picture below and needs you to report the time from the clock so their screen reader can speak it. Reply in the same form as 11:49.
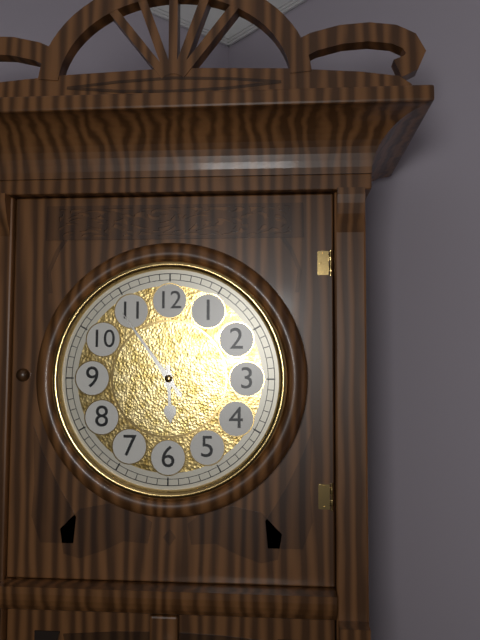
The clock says 5:54
